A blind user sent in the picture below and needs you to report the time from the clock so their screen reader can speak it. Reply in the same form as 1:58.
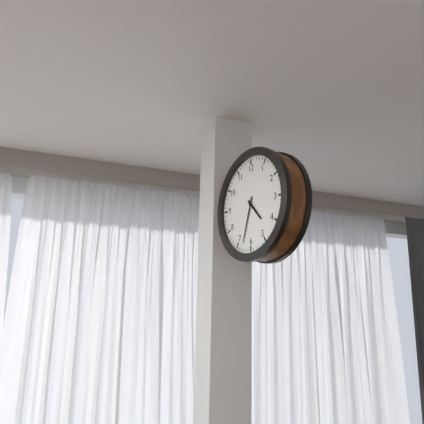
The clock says 4:33
